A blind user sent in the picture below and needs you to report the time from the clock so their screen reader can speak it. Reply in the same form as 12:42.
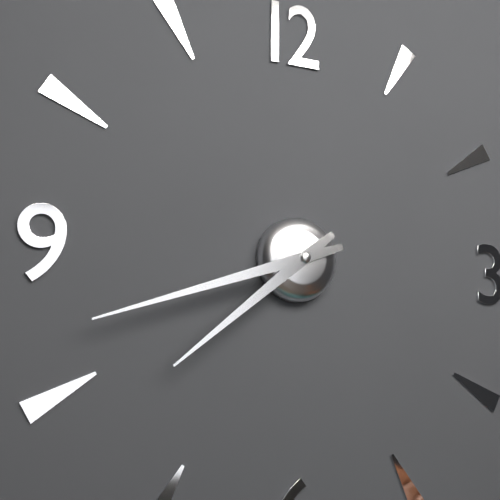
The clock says 7:42
